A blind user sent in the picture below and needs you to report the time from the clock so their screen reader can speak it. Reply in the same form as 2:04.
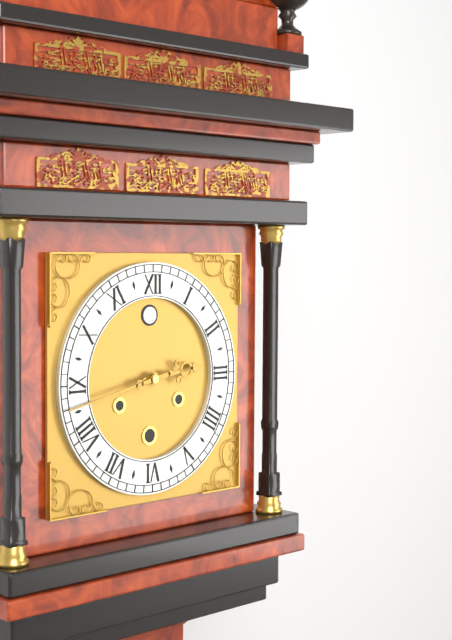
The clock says 2:43
